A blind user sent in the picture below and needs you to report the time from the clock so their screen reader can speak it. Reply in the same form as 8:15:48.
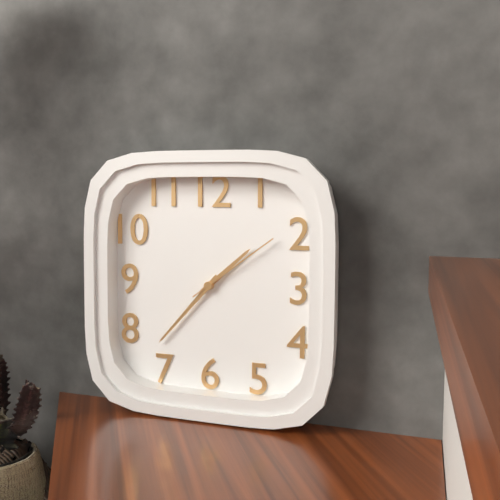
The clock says 1:37:09
